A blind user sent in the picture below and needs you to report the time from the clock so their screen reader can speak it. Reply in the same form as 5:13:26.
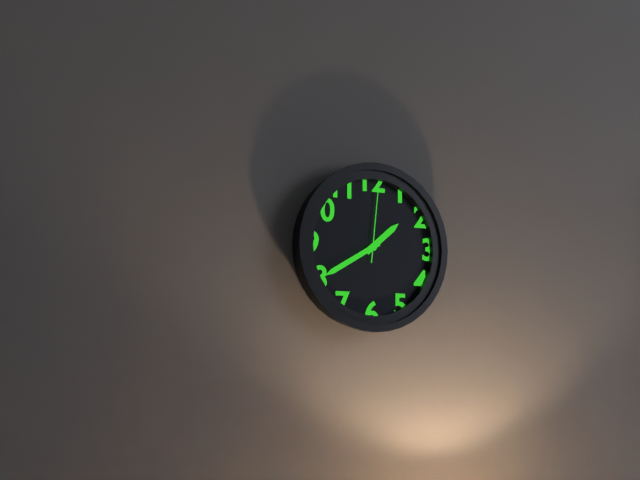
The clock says 1:40:01
